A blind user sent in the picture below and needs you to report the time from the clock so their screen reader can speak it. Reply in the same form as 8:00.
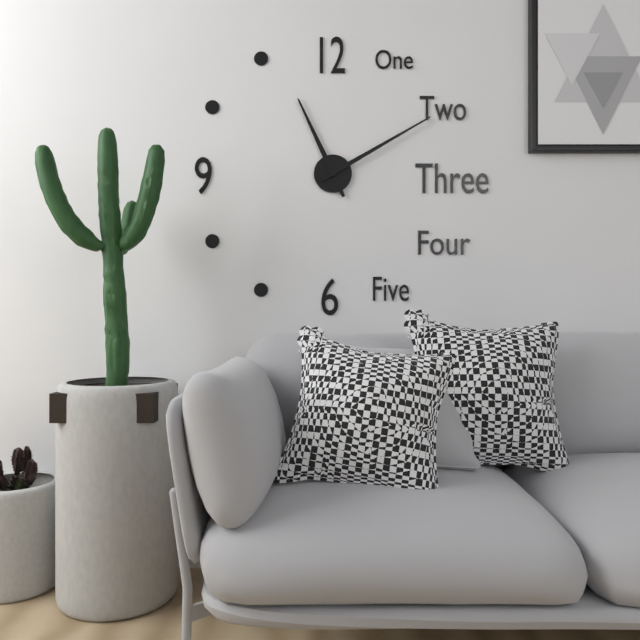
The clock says 11:10
